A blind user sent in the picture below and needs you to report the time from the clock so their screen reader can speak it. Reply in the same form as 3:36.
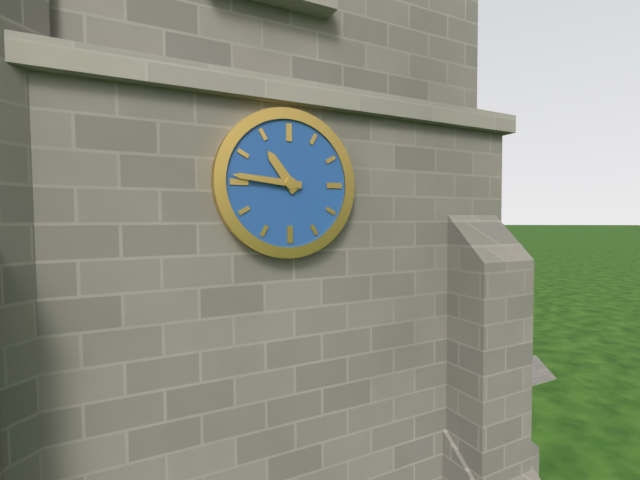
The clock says 10:46
